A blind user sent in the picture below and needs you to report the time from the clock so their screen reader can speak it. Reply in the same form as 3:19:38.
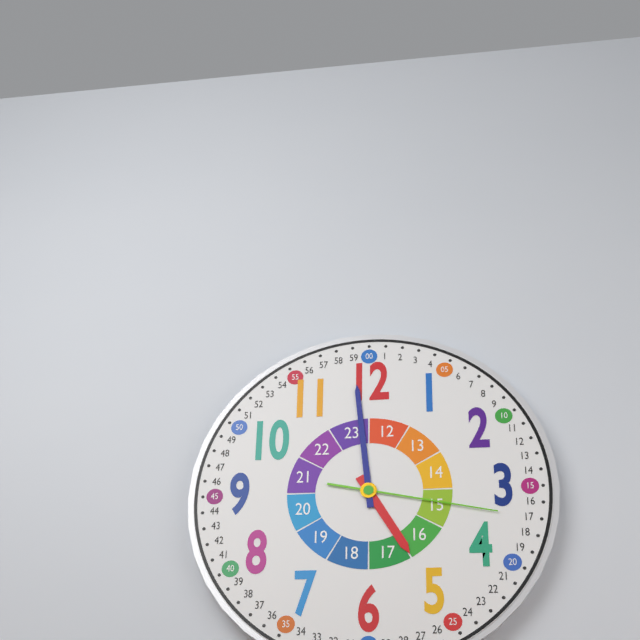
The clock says 4:59:17
